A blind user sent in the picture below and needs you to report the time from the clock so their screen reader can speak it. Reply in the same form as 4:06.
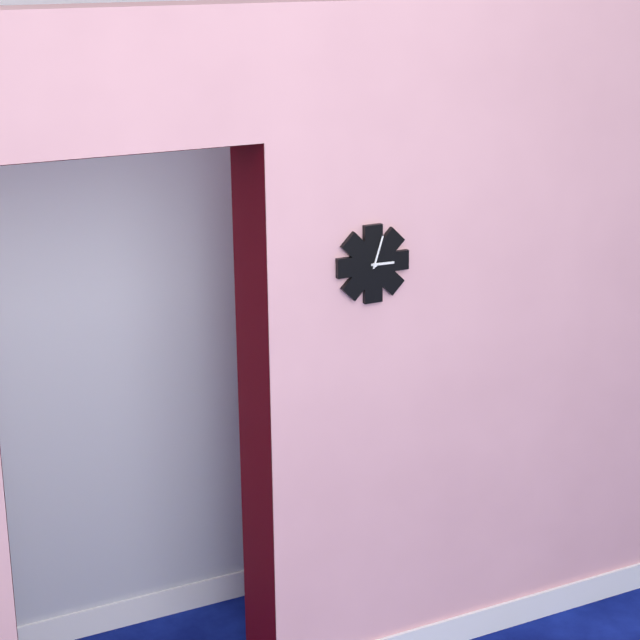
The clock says 3:03
